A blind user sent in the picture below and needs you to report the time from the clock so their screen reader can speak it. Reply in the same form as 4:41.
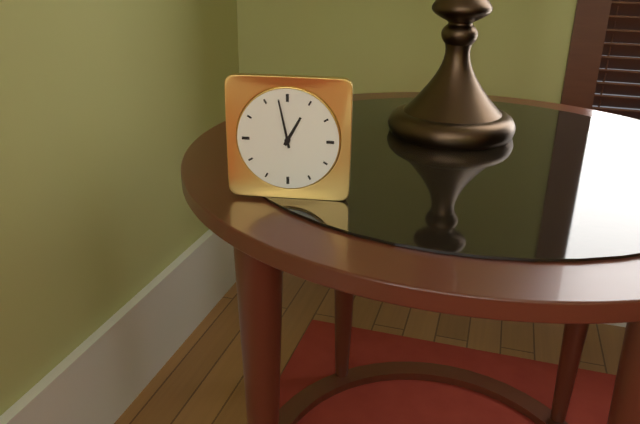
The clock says 12:58
